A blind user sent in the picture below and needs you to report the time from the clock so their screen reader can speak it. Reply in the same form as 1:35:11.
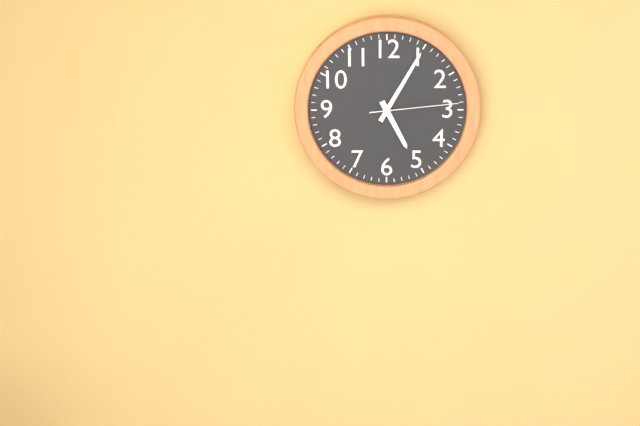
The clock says 5:05:14
